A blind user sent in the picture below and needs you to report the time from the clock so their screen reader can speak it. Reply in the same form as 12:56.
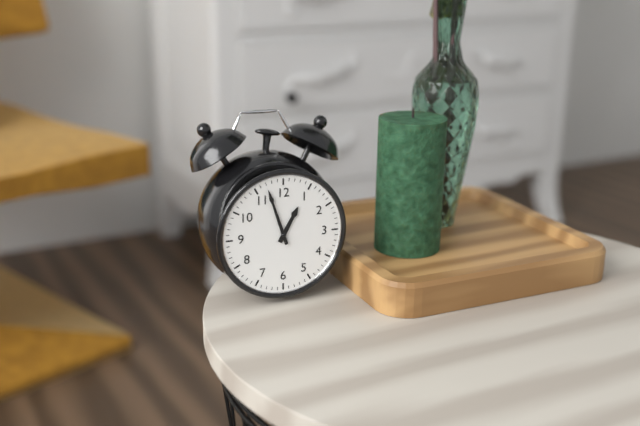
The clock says 12:57
